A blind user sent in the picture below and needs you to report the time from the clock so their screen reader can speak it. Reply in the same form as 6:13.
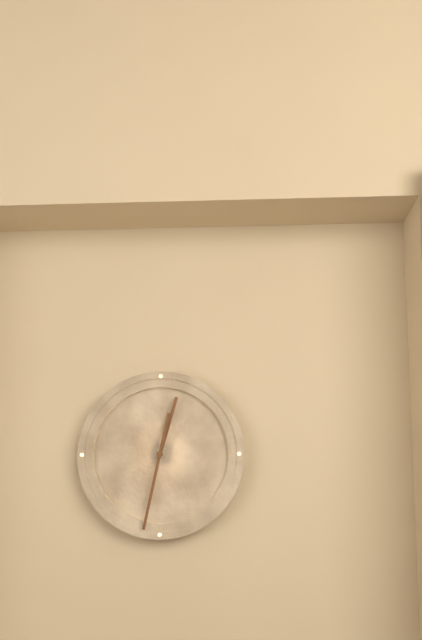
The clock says 12:32
